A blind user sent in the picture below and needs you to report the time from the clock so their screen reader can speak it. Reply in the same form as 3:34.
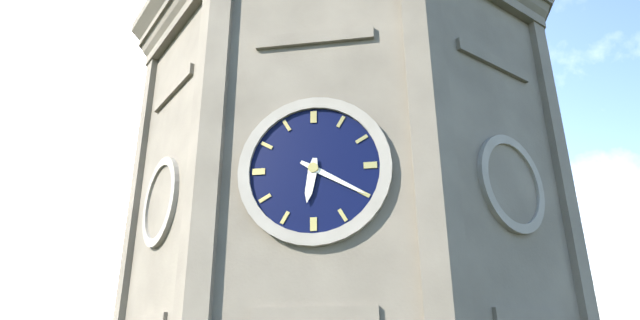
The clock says 6:20
